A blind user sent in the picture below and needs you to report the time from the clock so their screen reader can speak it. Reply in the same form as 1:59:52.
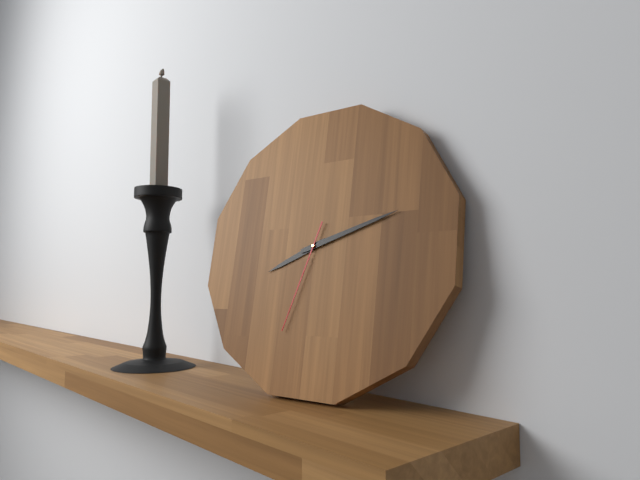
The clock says 8:12:33
